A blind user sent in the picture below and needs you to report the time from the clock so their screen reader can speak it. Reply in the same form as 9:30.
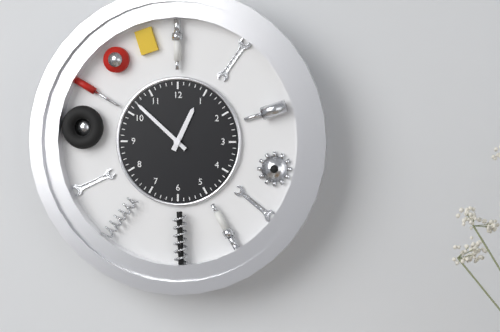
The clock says 12:52
